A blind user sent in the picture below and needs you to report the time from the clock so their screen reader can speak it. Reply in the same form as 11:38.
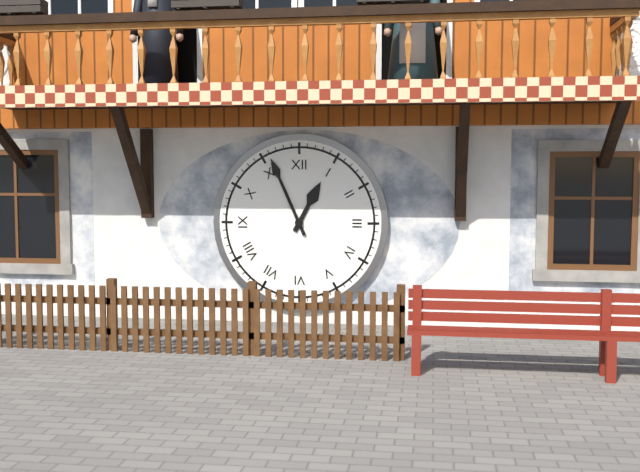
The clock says 12:56
